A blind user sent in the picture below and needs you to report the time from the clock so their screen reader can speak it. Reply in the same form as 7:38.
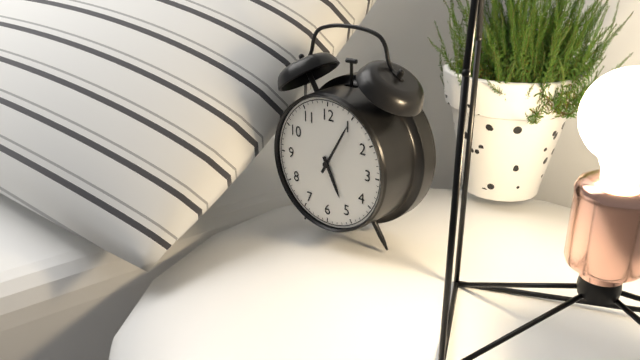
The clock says 5:05
